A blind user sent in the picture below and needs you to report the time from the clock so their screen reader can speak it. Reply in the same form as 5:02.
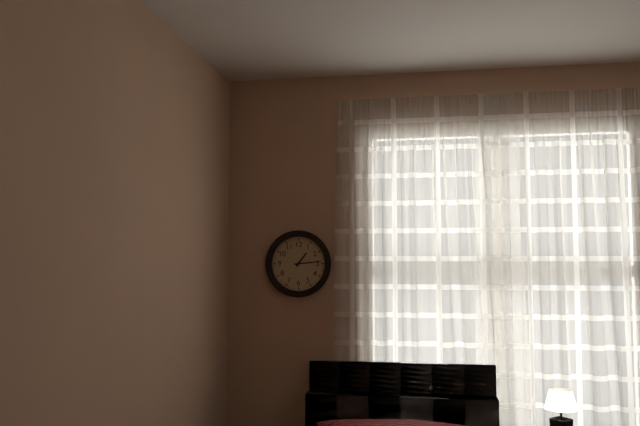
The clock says 1:14
